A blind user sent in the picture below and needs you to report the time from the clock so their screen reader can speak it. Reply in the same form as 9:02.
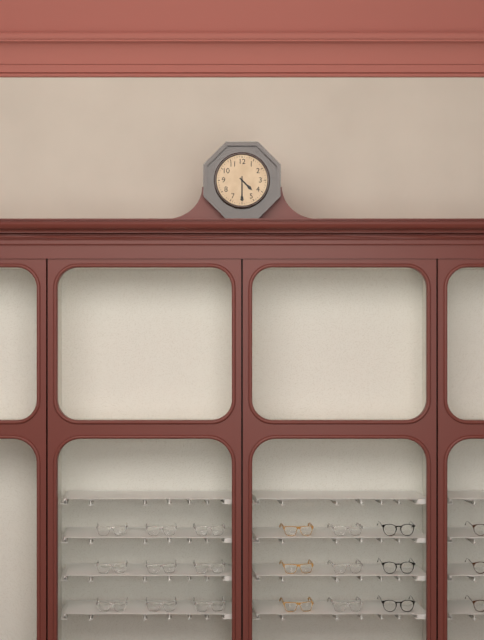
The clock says 4:30
